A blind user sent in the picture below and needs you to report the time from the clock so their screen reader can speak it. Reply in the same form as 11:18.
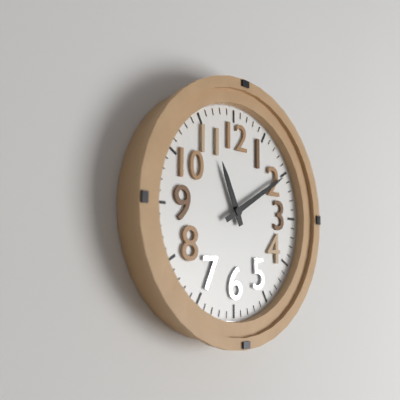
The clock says 11:10
